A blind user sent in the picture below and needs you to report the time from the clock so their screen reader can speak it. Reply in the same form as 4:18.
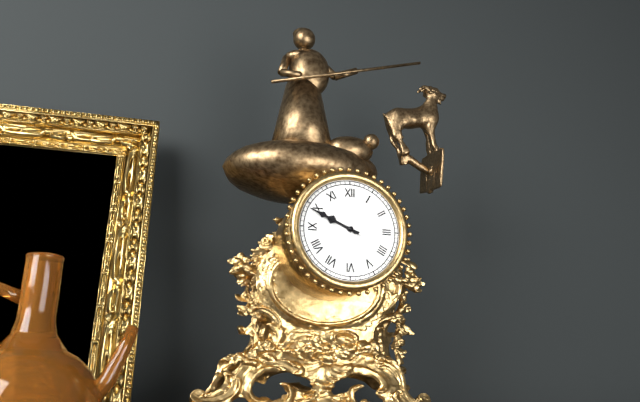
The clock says 9:49
